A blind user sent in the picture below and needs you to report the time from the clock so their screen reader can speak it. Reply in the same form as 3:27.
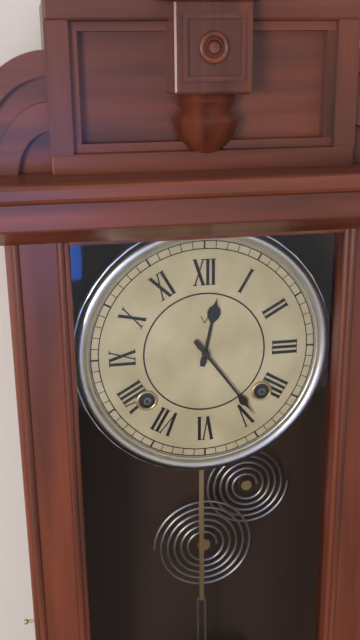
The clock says 12:24
